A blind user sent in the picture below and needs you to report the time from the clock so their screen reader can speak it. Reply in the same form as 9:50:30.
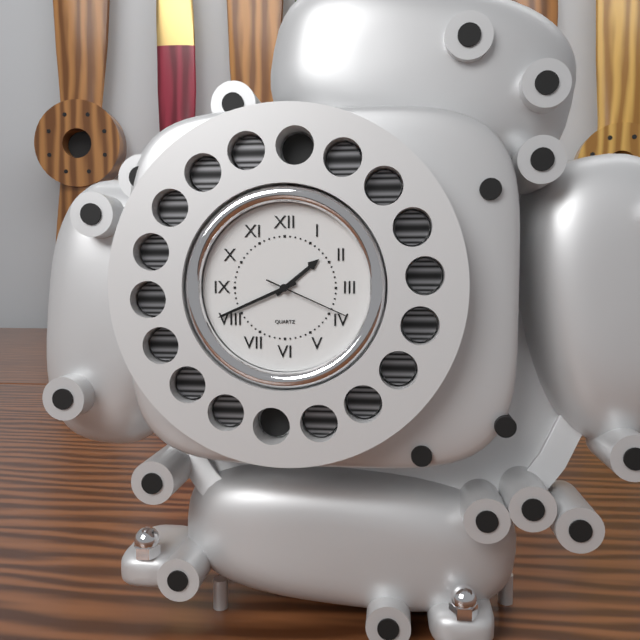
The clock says 1:41:19
